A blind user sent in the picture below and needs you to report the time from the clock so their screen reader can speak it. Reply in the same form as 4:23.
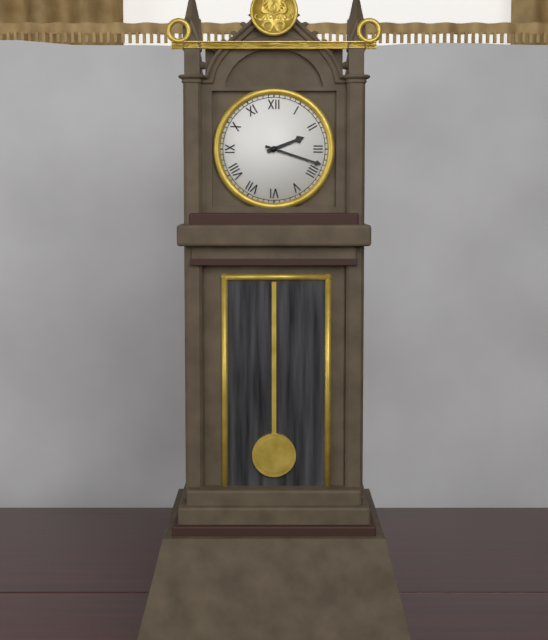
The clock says 2:18
